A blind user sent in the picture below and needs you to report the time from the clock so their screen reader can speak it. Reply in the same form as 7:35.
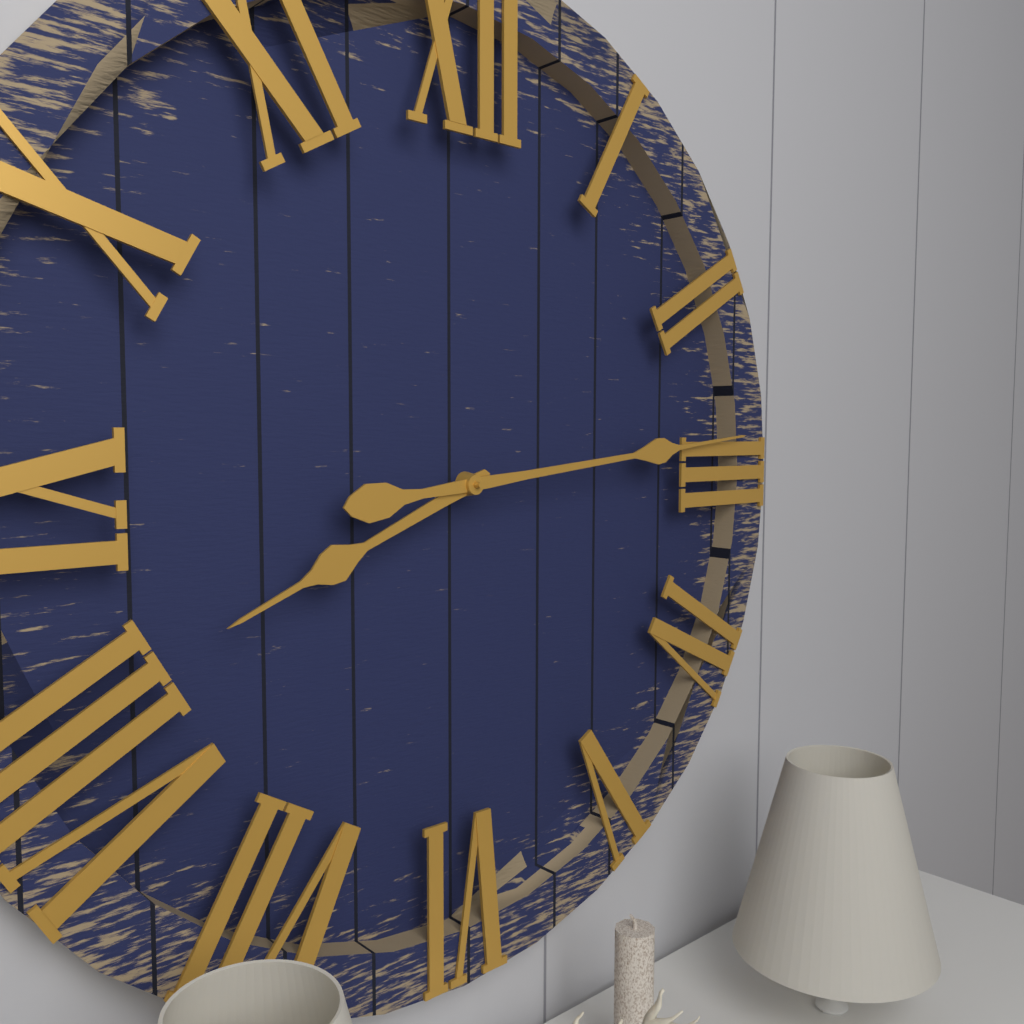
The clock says 8:14
